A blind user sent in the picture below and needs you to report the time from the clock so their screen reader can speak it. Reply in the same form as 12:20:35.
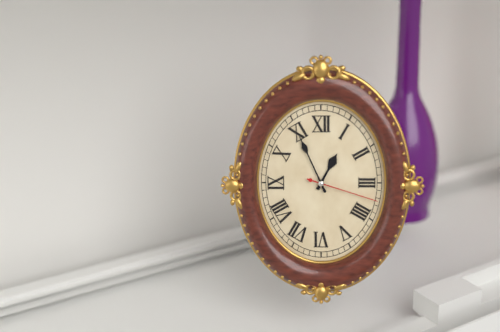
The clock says 12:56:18
